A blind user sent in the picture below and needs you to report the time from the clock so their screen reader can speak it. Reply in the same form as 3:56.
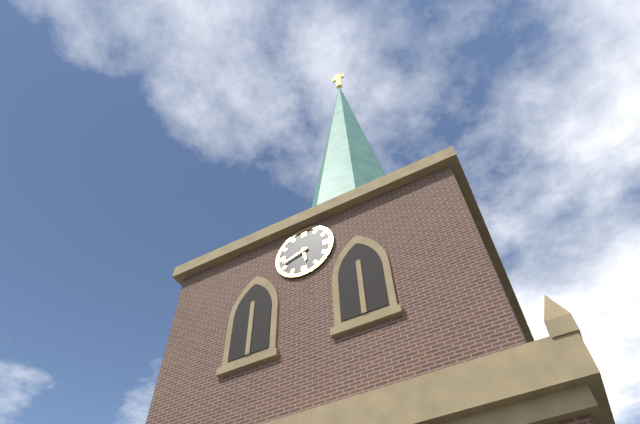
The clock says 5:42
